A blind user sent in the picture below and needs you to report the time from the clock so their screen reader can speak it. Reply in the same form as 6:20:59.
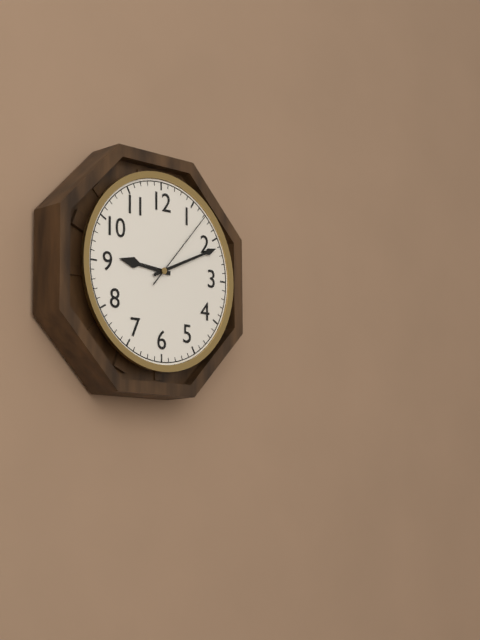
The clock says 9:11:07
